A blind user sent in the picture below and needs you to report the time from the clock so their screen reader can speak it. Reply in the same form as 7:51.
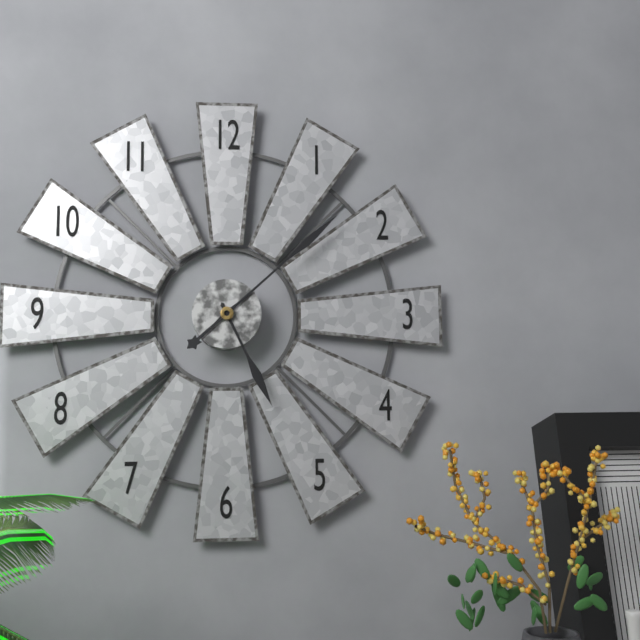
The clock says 5:08
